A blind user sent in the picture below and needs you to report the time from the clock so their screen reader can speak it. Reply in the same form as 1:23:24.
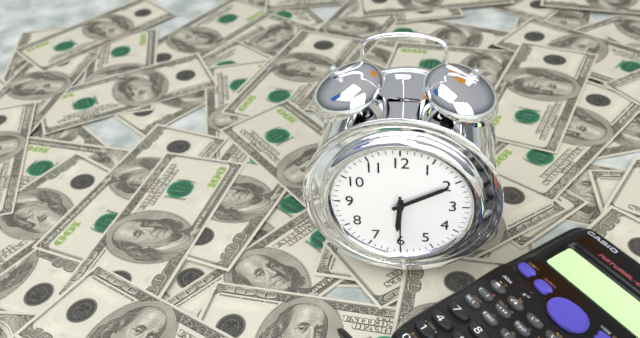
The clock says 6:10:30
